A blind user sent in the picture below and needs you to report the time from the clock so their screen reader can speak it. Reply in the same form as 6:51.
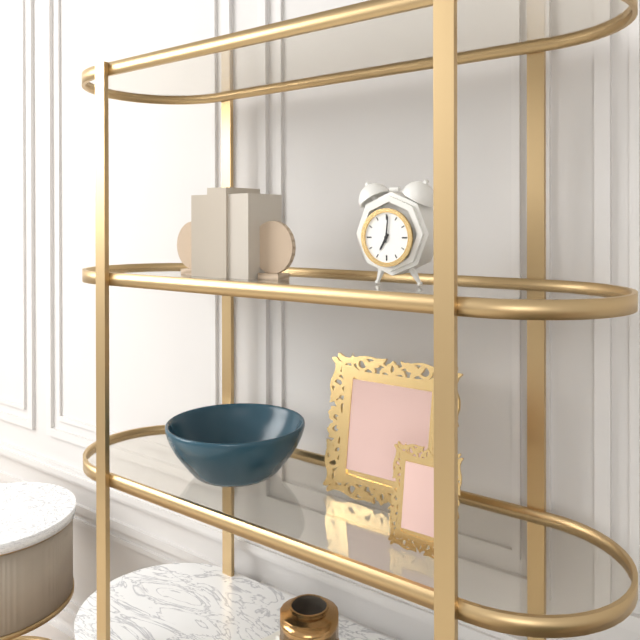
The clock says 7:01
